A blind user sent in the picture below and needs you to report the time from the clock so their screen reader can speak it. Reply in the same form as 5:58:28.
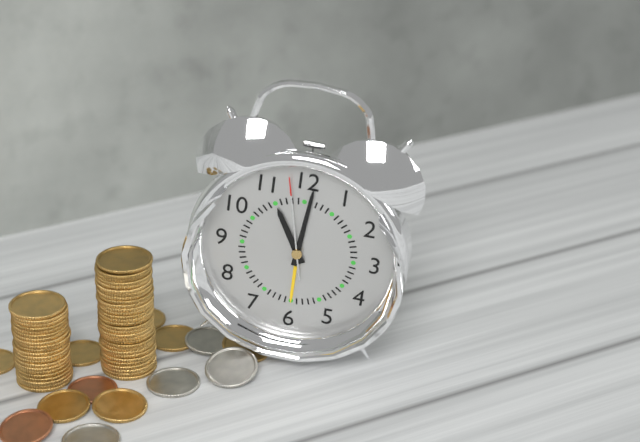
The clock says 11:01:58
